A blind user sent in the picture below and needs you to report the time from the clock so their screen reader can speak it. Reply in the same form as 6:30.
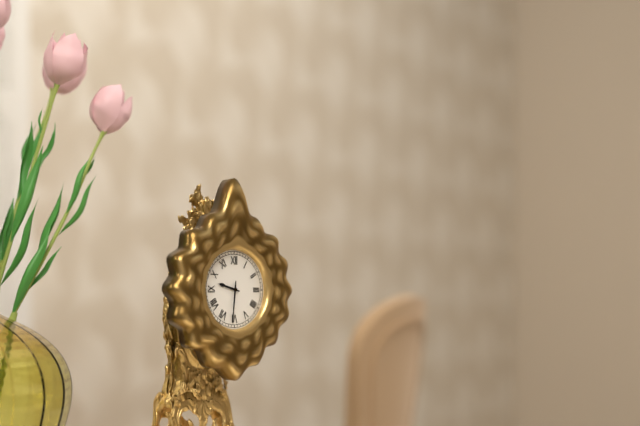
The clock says 9:31
